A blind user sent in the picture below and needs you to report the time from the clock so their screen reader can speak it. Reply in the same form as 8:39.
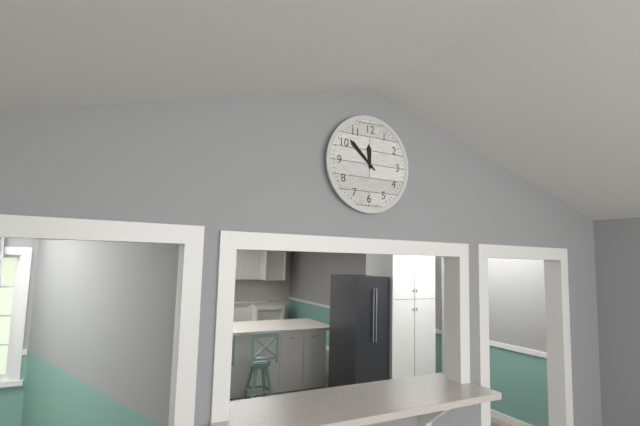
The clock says 11:52
